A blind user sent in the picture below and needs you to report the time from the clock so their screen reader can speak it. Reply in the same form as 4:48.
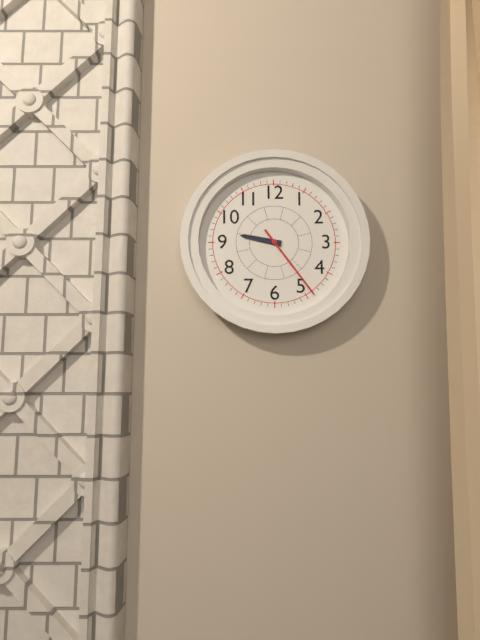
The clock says 9:24
